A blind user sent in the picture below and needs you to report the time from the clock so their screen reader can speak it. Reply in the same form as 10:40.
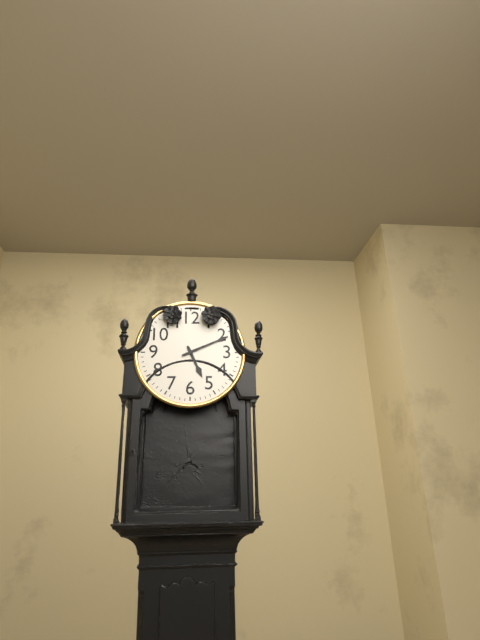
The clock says 5:11
